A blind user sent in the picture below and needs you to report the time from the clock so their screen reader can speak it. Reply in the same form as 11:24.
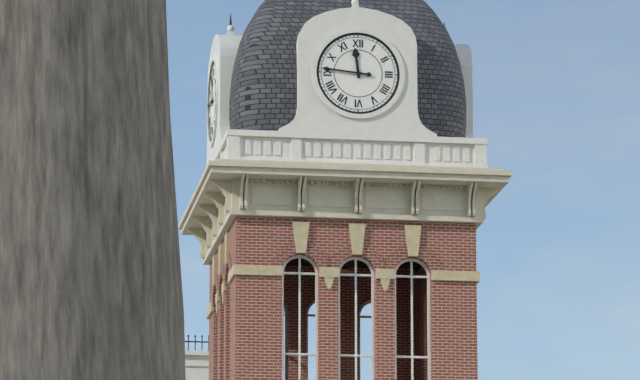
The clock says 11:46
